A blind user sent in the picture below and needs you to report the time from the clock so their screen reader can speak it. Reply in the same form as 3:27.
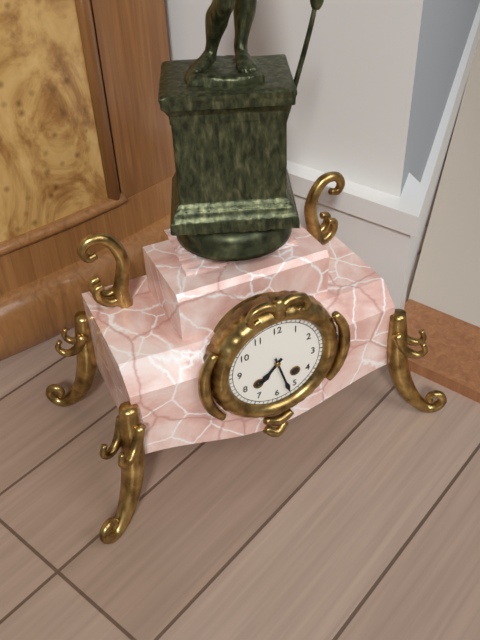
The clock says 7:27
